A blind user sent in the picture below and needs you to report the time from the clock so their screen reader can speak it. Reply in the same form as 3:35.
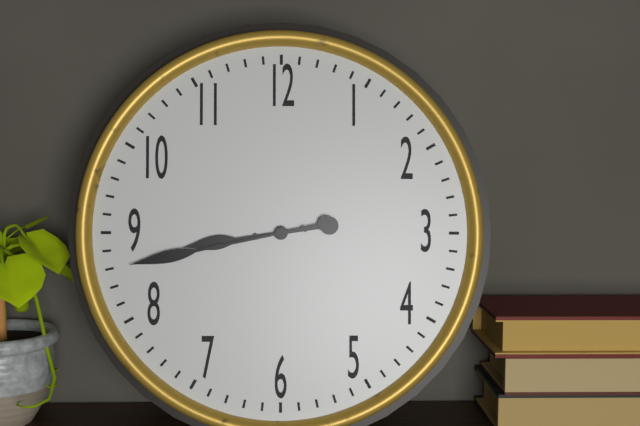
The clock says 8:43
